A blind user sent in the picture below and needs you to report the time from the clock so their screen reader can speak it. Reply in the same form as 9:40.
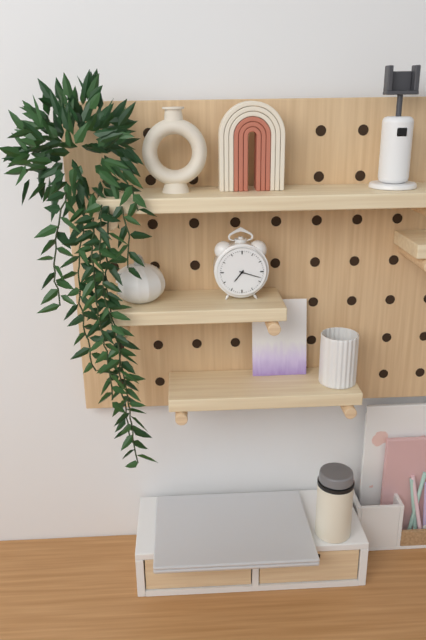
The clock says 7:18
